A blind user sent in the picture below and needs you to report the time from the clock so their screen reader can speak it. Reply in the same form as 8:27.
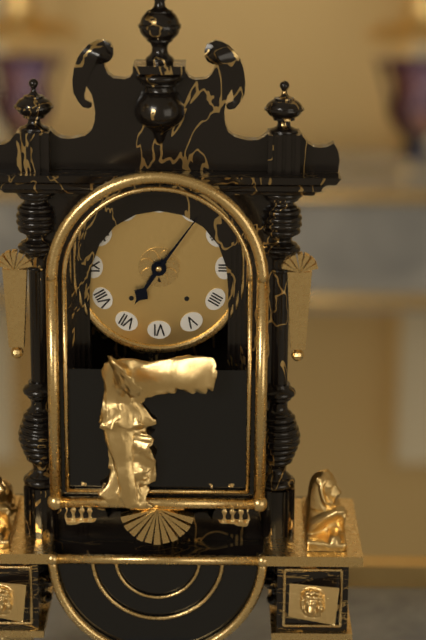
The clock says 7:06
